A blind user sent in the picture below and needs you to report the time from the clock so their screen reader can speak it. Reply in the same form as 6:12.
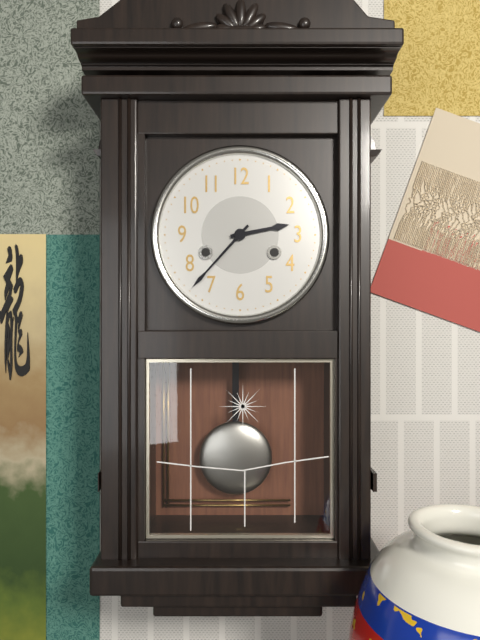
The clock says 2:37
